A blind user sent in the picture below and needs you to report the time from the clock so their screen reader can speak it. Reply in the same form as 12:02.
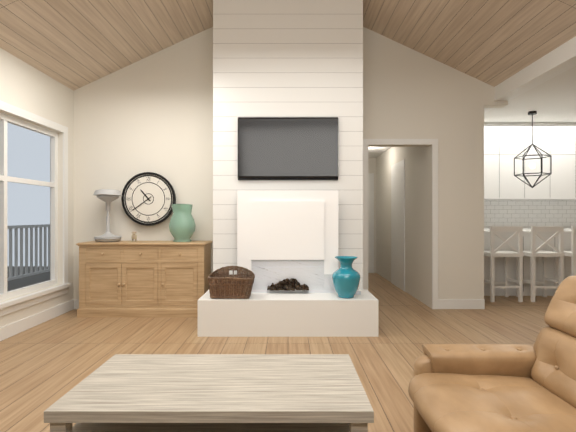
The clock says 10:39
